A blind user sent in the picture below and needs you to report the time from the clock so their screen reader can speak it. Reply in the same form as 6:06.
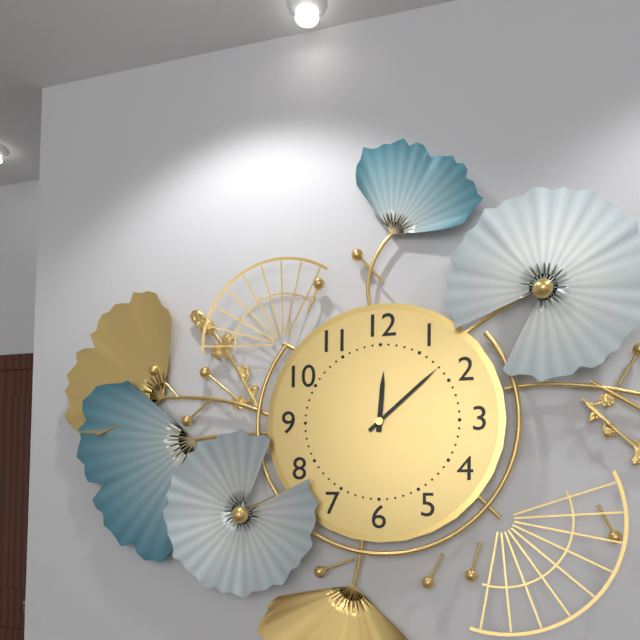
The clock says 12:08
